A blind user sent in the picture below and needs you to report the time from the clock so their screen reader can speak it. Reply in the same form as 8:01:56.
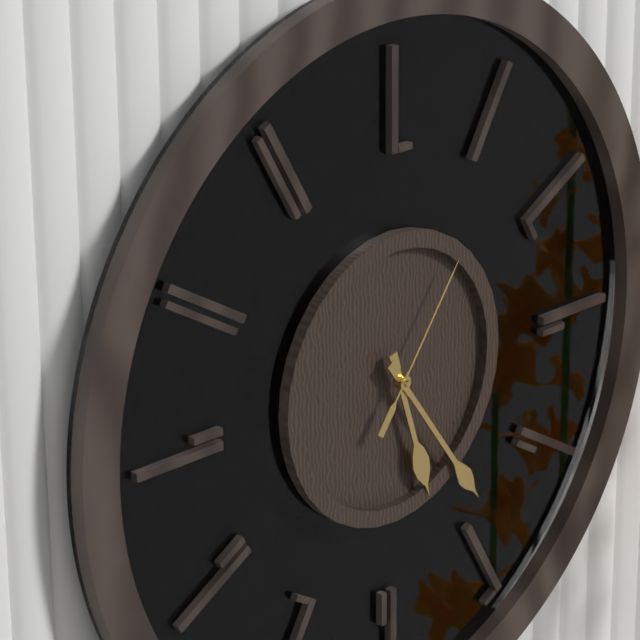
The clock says 5:24:06
